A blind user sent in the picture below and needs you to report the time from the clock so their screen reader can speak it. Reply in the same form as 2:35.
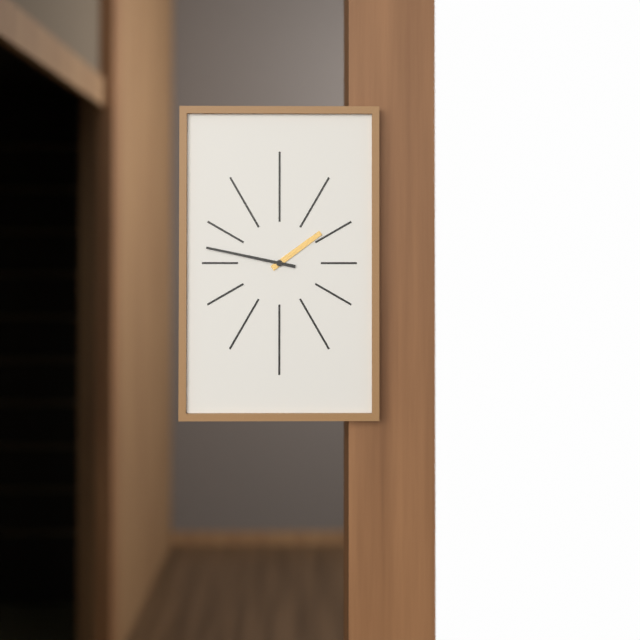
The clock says 1:47
